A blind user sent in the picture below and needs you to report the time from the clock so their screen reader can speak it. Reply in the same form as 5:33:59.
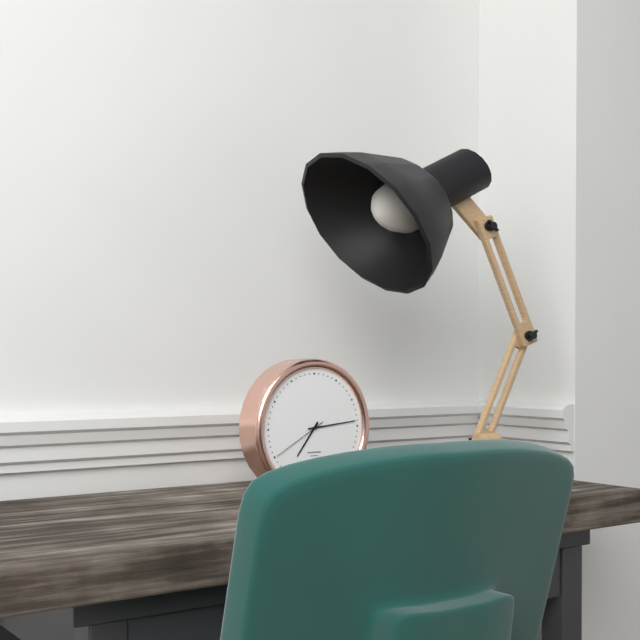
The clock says 7:14:40
